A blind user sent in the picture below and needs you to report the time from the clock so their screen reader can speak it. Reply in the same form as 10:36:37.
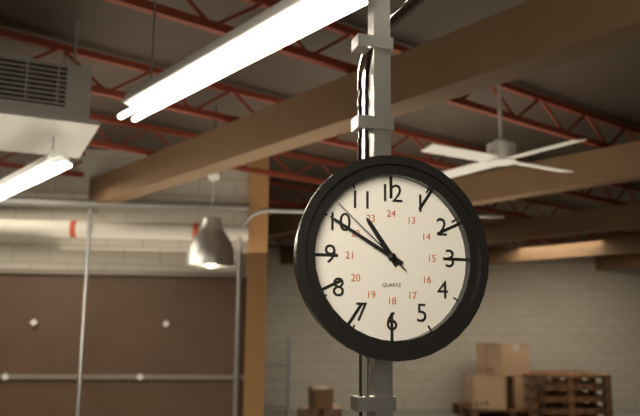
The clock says 10:50:52
